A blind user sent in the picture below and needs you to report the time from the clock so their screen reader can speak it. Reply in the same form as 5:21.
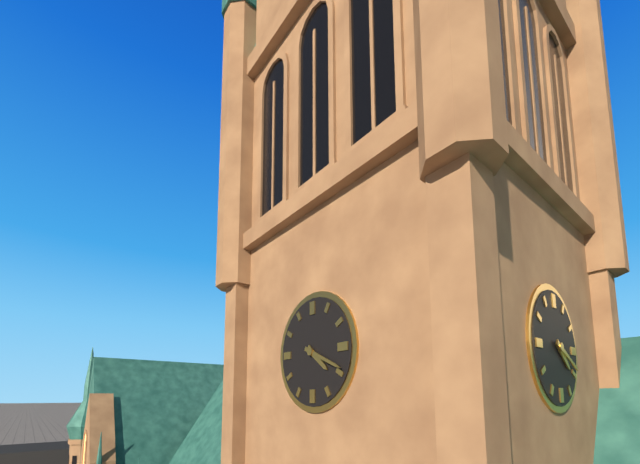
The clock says 4:19
